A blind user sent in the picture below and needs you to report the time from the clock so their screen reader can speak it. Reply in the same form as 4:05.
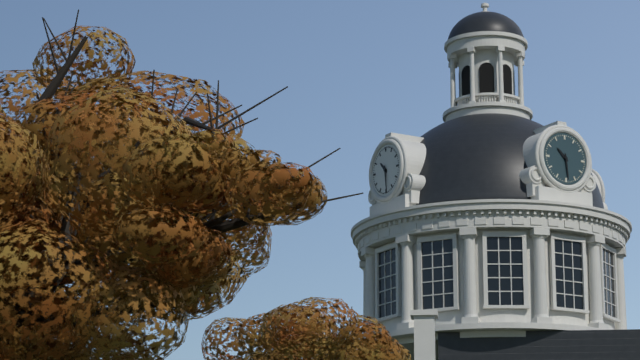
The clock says 10:29
